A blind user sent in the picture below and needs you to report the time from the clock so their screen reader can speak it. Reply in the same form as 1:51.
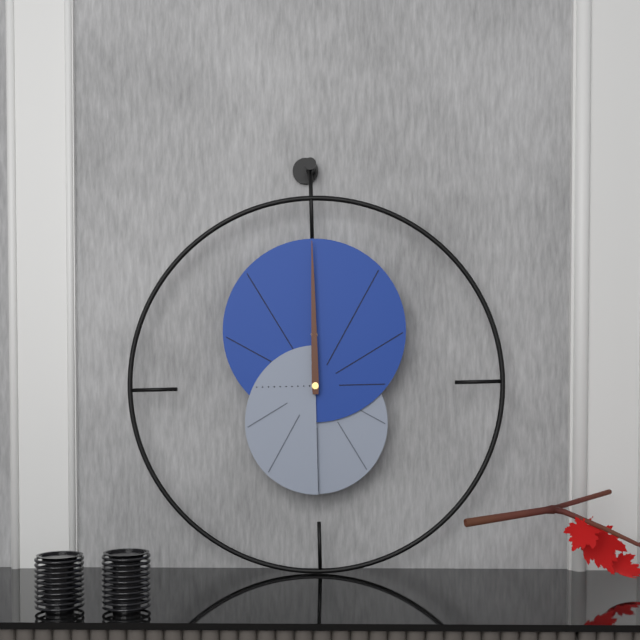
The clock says 12:00
